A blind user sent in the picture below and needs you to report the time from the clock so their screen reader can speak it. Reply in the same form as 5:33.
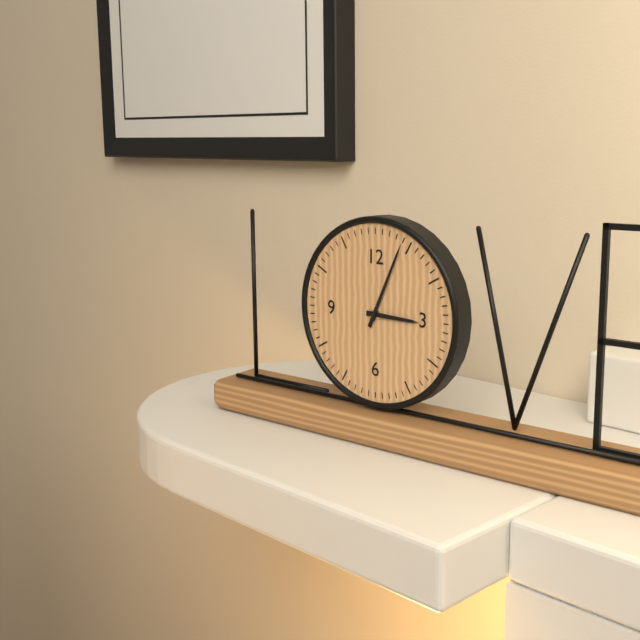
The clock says 3:04
